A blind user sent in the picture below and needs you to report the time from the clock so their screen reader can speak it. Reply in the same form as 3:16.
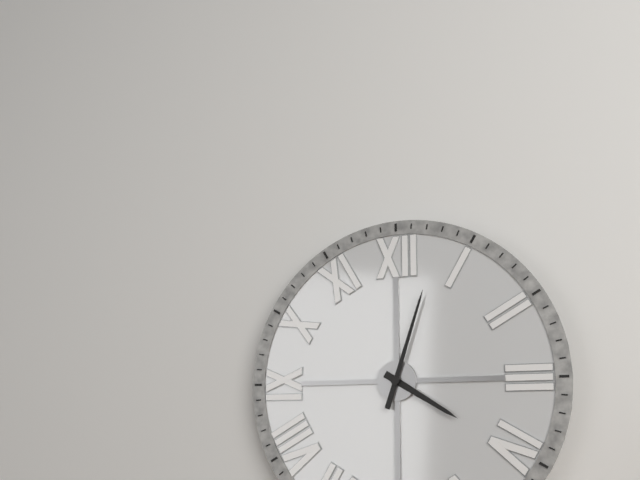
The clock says 4:03
